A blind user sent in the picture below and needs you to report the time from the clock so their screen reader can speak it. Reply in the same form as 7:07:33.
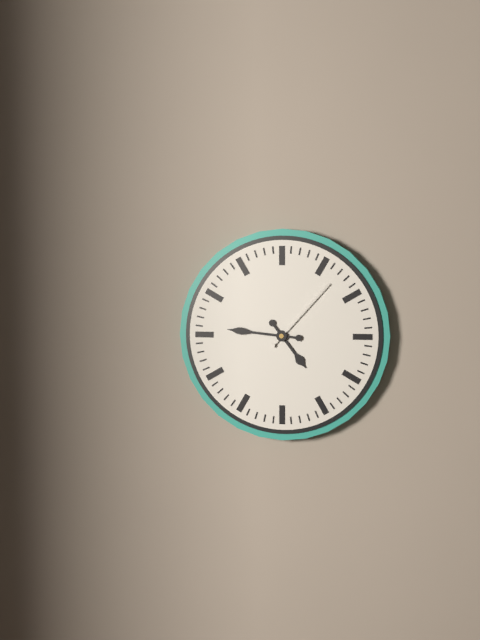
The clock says 4:46:07
